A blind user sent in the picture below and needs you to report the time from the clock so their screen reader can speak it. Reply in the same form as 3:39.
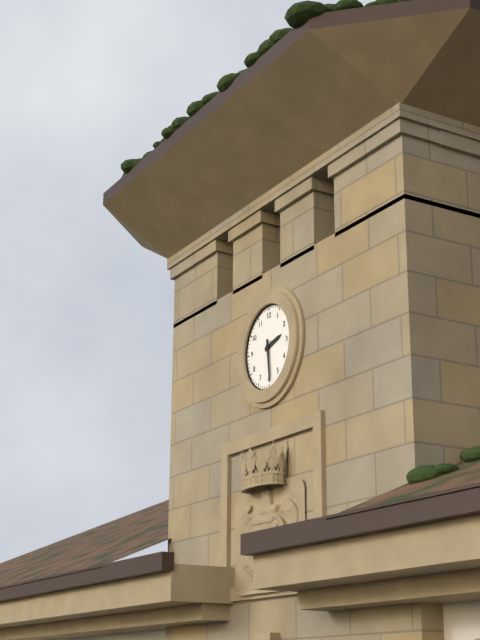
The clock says 2:29
